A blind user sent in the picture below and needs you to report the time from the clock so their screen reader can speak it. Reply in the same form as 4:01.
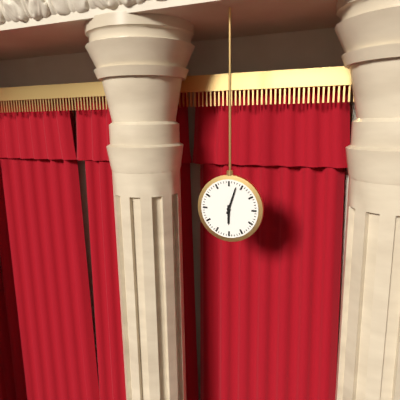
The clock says 6:03
